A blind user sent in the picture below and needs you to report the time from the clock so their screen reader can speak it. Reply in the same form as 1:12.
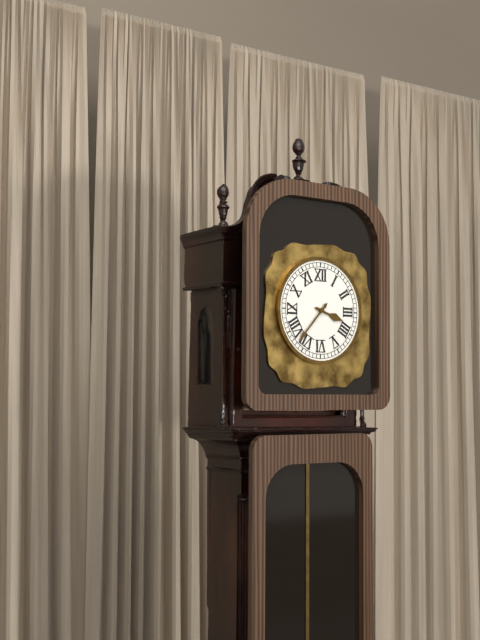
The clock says 3:37
